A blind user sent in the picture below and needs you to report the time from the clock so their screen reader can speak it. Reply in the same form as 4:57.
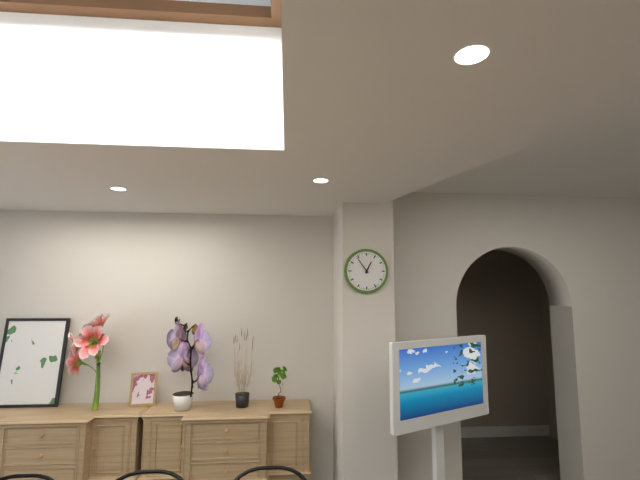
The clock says 12:54
